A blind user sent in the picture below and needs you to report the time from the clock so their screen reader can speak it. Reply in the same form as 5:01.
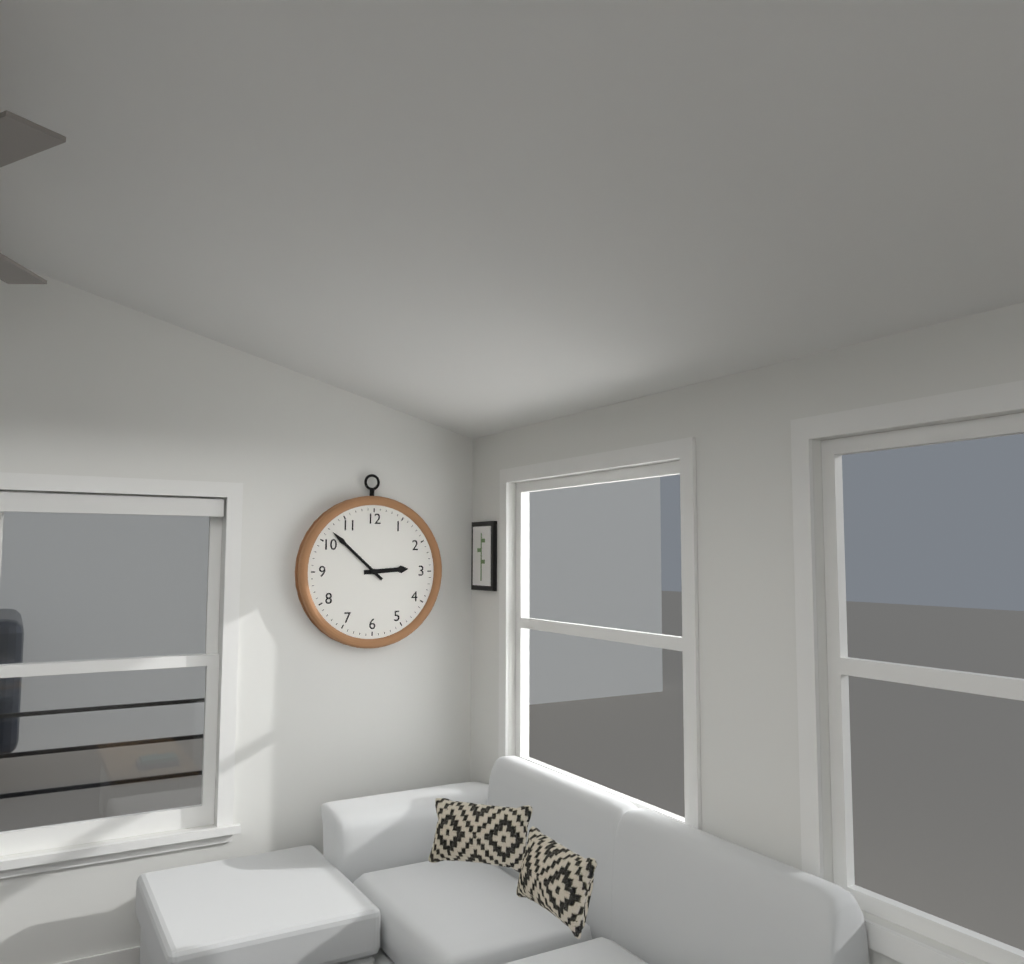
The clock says 2:52
